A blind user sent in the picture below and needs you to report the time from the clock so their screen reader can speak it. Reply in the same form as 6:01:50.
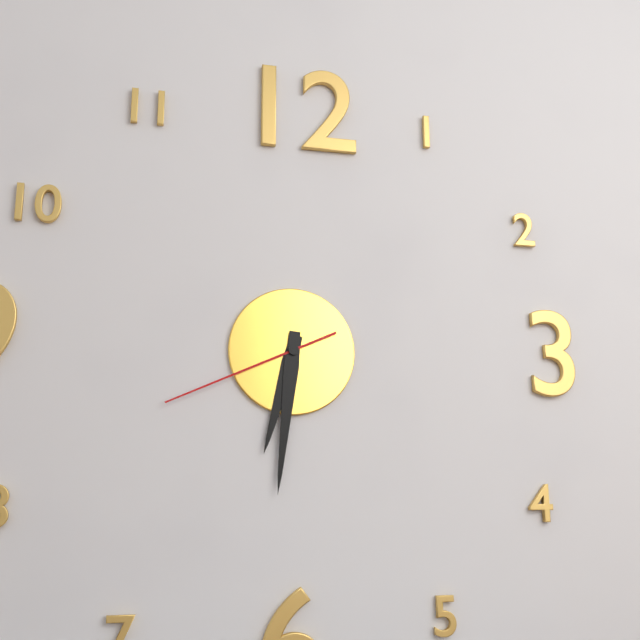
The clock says 6:31:41
